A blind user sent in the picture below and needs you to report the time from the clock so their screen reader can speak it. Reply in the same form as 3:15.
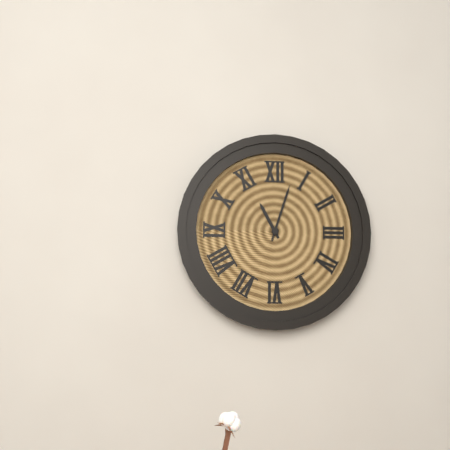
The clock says 11:03
